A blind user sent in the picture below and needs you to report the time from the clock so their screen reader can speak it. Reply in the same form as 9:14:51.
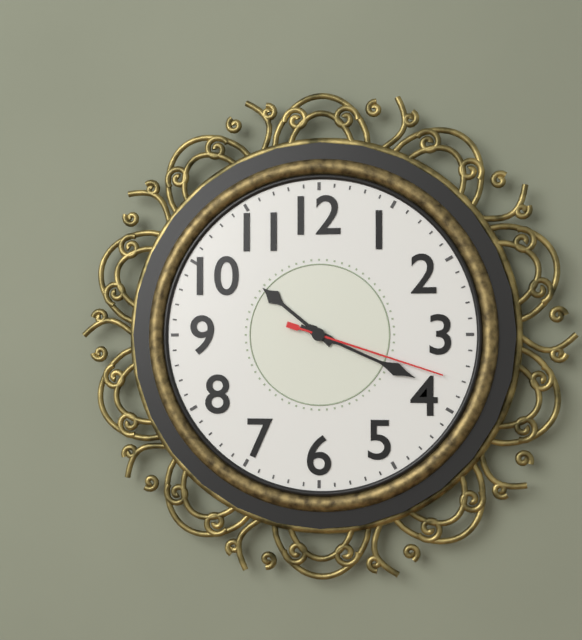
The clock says 10:19:18
